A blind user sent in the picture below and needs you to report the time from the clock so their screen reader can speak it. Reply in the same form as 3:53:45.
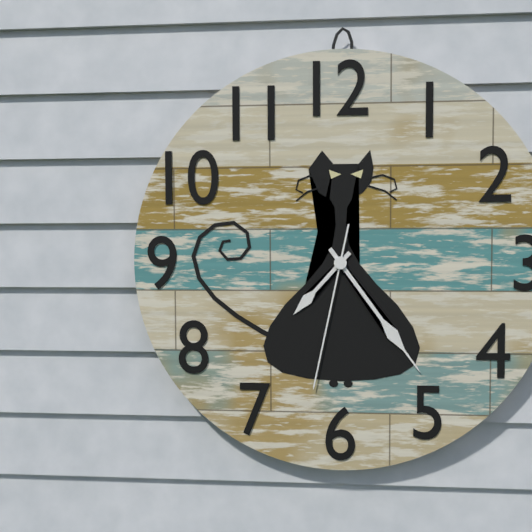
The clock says 7:24:32
